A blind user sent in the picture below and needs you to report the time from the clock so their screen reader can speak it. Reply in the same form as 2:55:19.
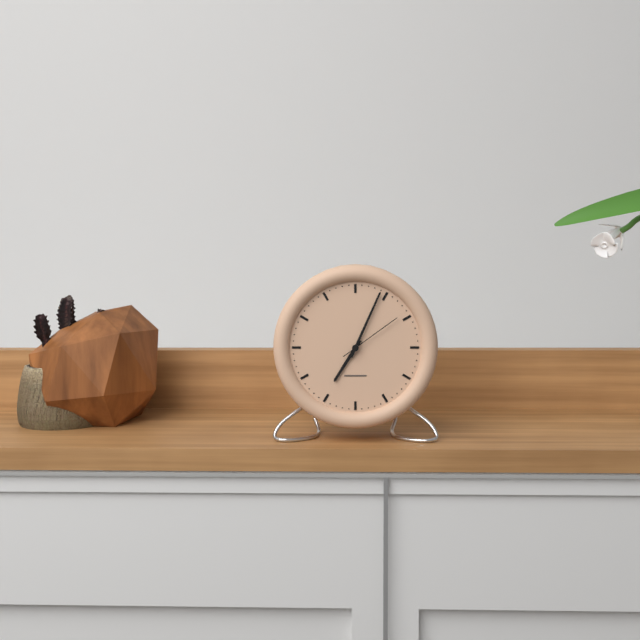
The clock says 7:04:09
